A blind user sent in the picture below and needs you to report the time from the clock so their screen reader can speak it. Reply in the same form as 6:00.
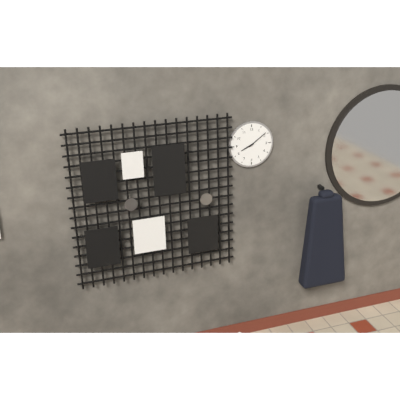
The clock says 8:09
